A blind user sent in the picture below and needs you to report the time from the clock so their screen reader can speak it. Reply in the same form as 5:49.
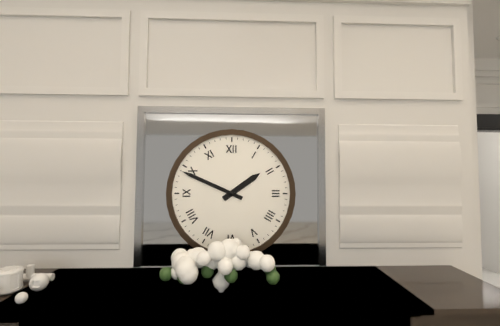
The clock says 1:49
